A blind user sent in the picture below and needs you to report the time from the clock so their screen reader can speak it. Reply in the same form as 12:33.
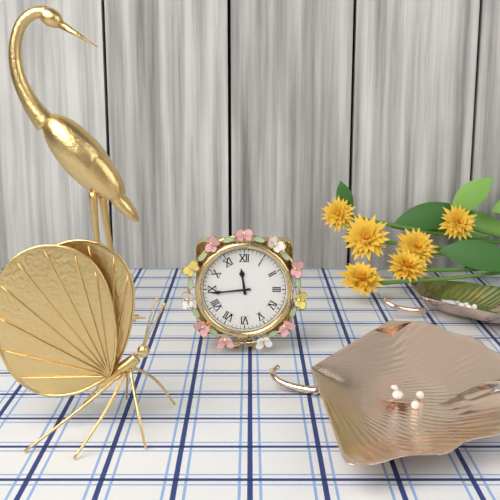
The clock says 11:44
